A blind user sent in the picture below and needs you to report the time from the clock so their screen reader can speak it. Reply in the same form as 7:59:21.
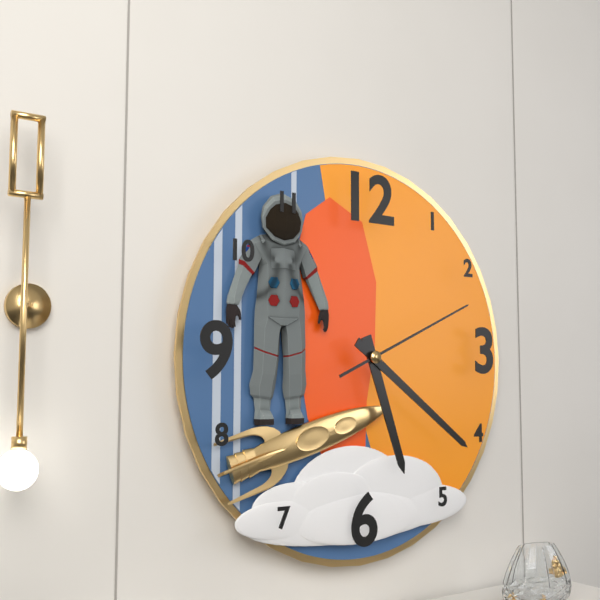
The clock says 5:21:11
